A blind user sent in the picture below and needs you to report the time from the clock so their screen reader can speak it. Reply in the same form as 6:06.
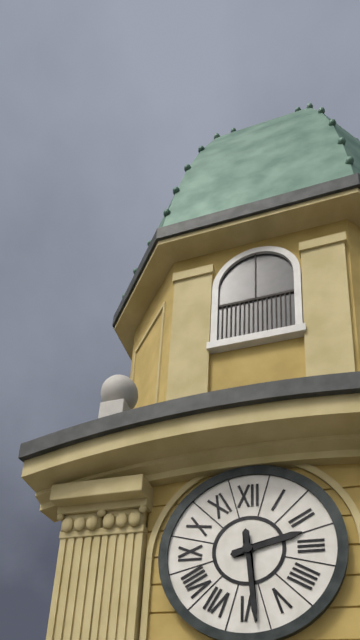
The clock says 2:29
